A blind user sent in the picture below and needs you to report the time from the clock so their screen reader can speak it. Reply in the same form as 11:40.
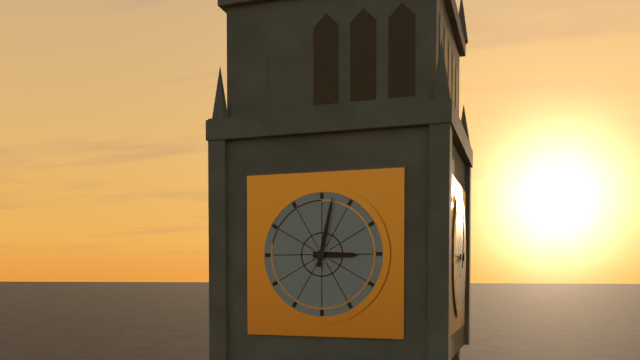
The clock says 3:02
